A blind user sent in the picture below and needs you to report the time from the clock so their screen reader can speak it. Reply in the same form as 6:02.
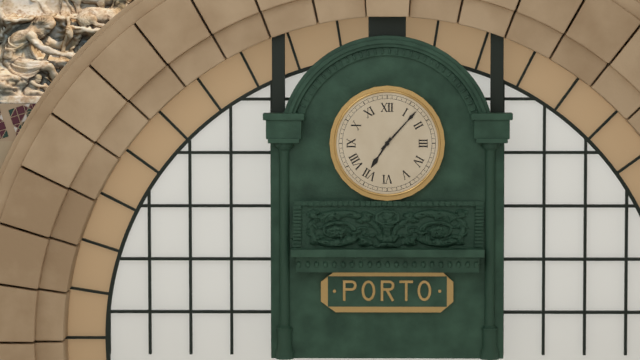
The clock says 7:07
